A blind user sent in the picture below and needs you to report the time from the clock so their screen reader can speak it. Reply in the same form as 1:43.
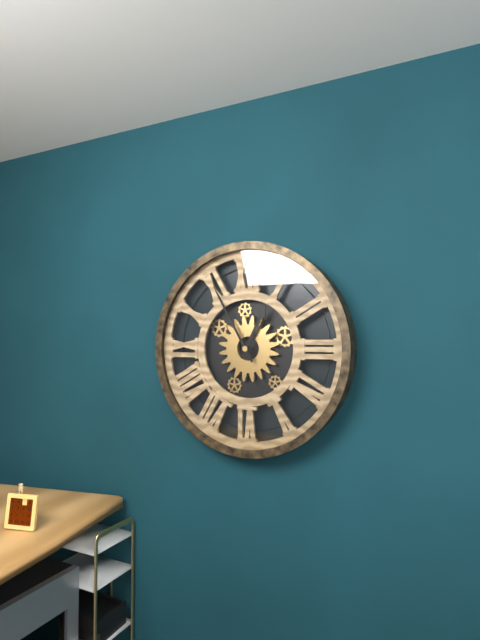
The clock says 12:55
